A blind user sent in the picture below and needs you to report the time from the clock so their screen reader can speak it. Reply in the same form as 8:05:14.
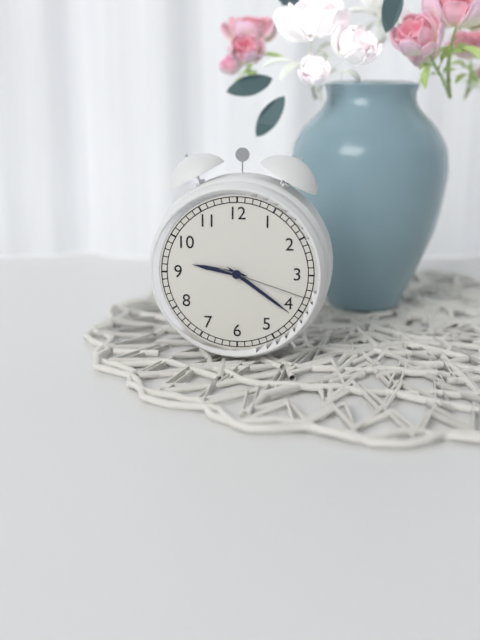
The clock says 9:21:18
